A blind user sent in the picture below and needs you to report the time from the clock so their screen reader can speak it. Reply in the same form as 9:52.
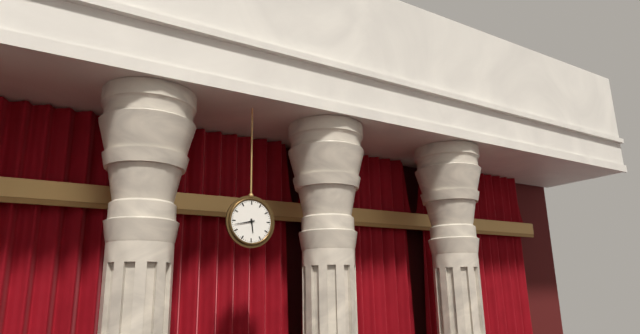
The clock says 5:43
